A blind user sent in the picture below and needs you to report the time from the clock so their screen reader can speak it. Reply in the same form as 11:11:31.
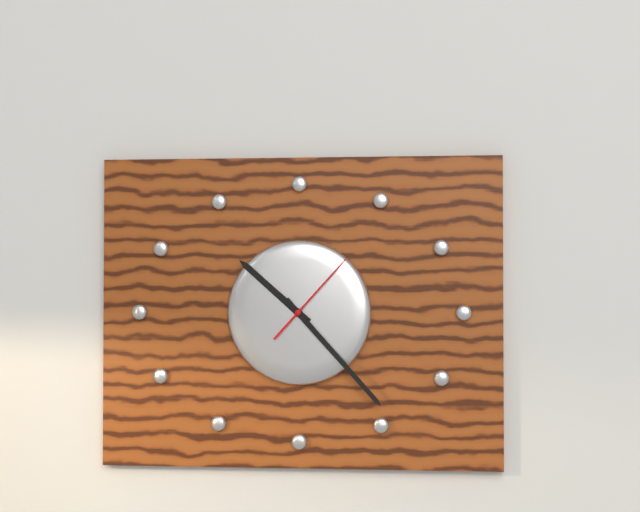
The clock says 10:23:07
